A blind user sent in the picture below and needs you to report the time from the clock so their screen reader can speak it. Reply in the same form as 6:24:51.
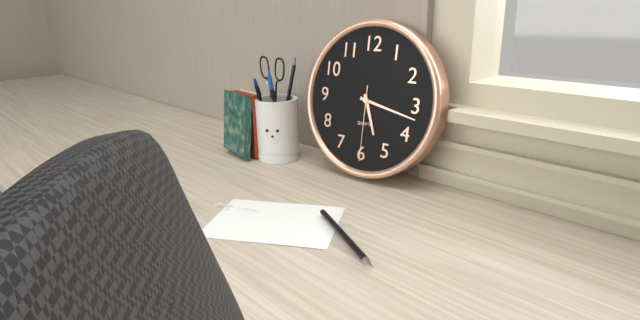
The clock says 5:17:30
